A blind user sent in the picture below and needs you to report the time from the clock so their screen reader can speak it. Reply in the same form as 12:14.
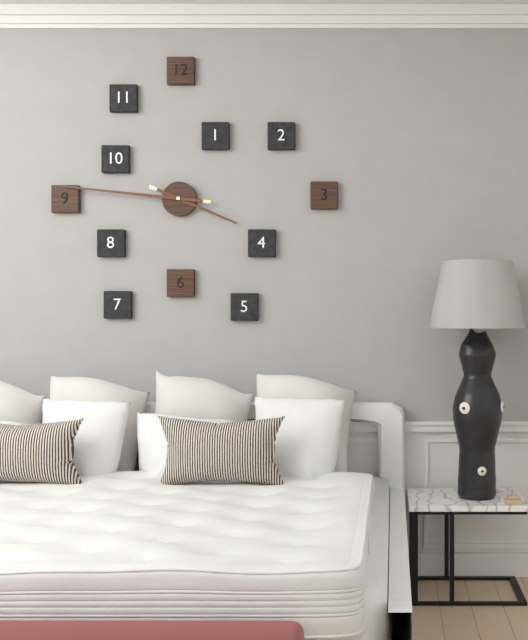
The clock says 3:46
